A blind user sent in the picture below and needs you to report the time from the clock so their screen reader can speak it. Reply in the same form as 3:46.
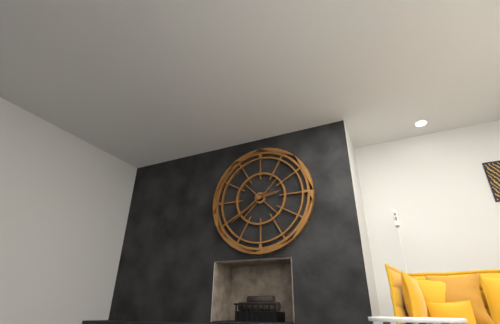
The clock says 2:39
